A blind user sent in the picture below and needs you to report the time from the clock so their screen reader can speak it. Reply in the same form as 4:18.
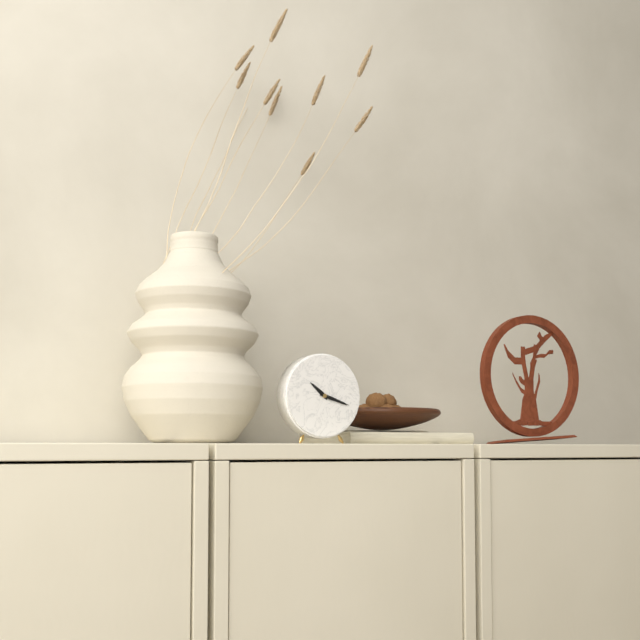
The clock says 10:18
